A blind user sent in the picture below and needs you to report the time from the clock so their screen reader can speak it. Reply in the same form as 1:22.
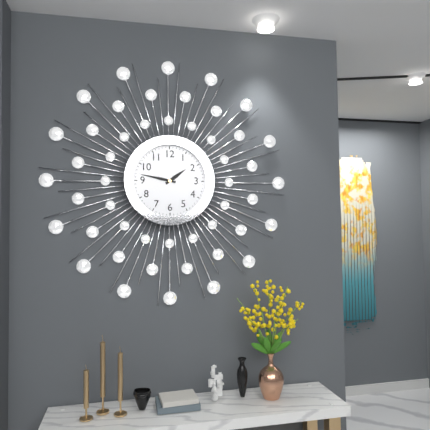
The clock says 1:47
